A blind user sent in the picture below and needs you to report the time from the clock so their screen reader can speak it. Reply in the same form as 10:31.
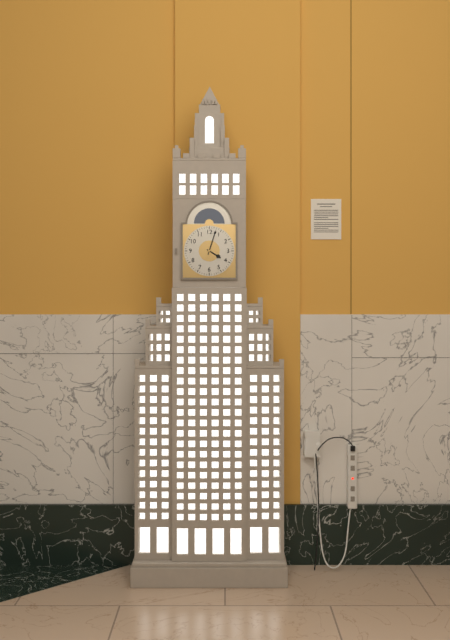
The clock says 4:03
